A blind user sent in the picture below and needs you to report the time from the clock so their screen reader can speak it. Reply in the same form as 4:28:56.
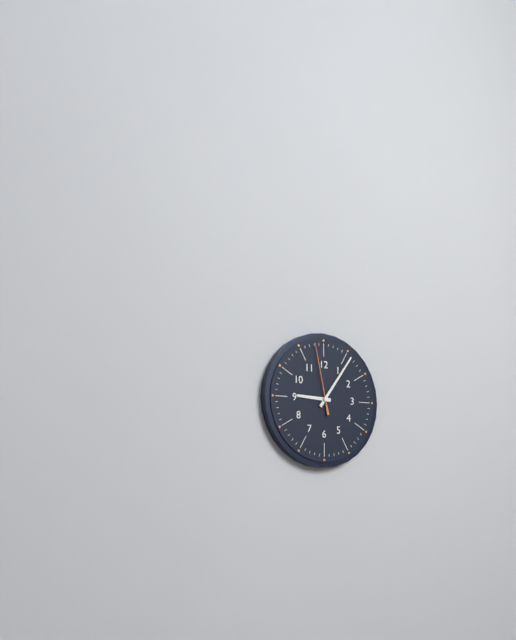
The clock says 9:06:58
